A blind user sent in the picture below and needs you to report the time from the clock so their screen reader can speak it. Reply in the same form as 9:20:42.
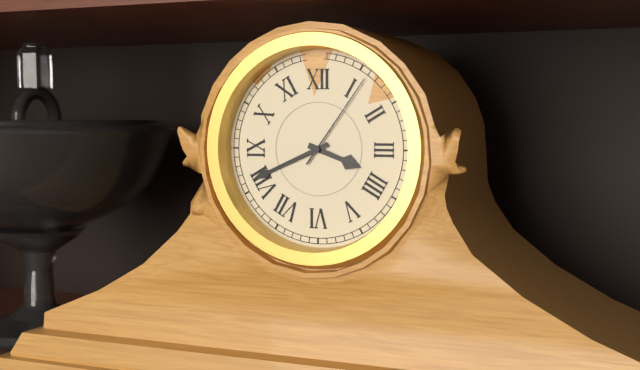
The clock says 3:41:06
